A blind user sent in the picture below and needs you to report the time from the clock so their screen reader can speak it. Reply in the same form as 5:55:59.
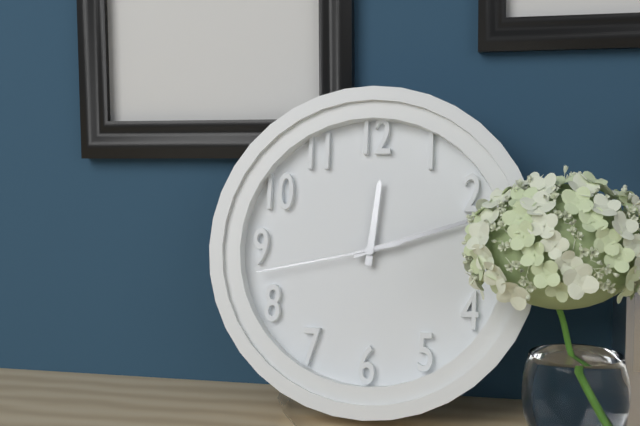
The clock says 12:12:43
